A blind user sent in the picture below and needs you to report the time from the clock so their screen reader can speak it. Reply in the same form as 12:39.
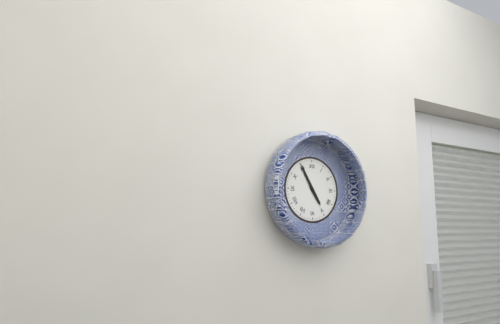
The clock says 4:55
